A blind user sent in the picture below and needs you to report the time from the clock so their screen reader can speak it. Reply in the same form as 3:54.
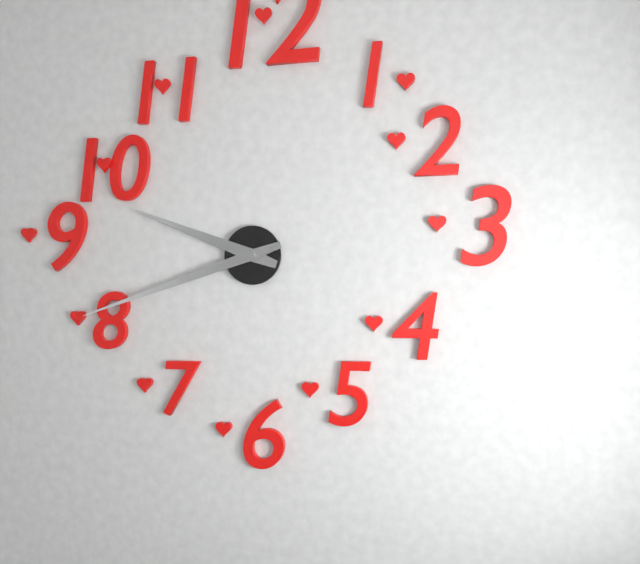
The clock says 9:42
